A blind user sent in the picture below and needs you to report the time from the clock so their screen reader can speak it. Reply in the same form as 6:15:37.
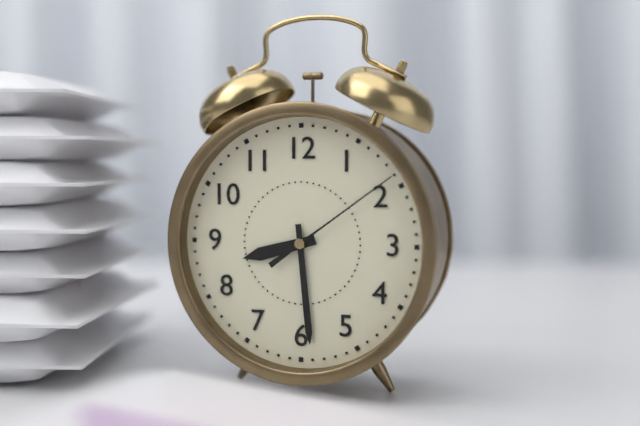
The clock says 8:29:09
